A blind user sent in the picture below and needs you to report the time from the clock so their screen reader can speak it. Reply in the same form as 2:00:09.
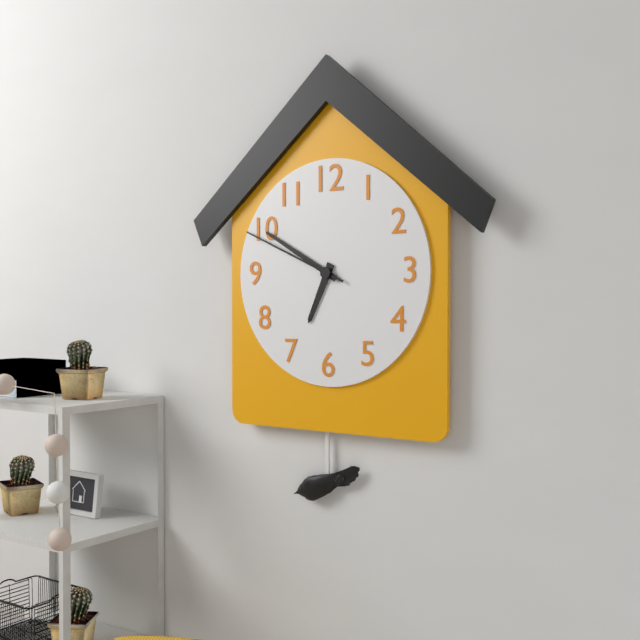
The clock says 6:50:49
